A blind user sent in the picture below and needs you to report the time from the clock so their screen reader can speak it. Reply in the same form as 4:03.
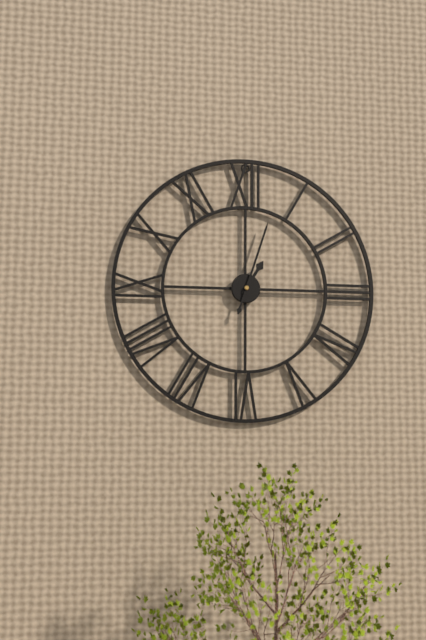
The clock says 1:03
